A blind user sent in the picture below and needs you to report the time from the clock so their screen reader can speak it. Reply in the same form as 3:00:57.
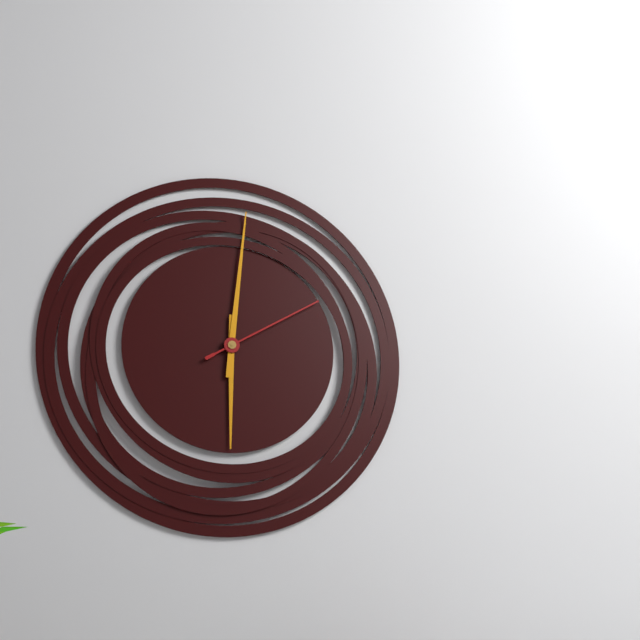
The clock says 6:01:10
